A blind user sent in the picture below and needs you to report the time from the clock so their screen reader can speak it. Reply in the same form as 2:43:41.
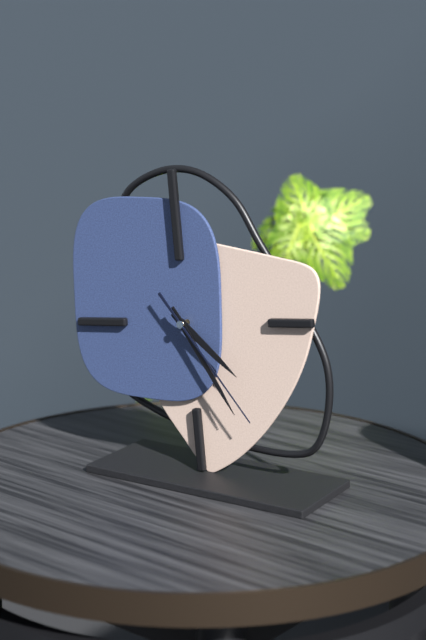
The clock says 4:25:24
